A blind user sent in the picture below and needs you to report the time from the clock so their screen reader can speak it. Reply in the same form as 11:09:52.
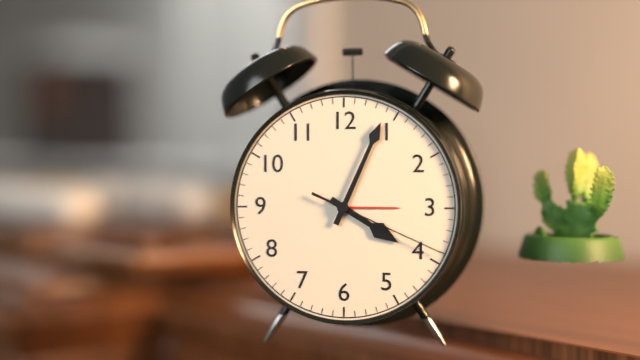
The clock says 4:04:19
